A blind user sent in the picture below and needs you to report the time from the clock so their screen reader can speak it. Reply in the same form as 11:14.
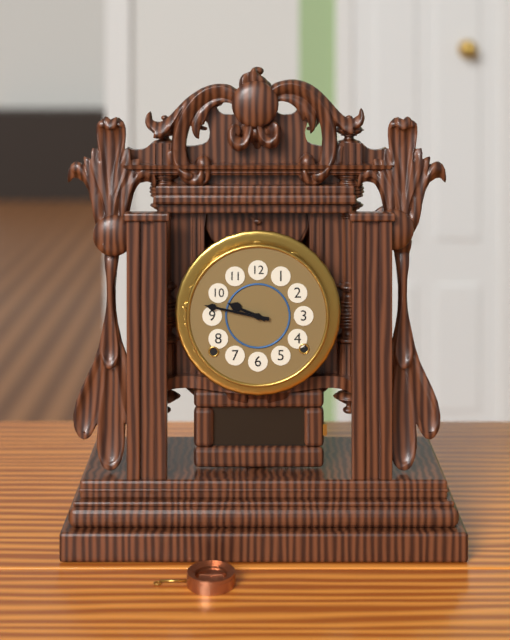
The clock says 9:47
